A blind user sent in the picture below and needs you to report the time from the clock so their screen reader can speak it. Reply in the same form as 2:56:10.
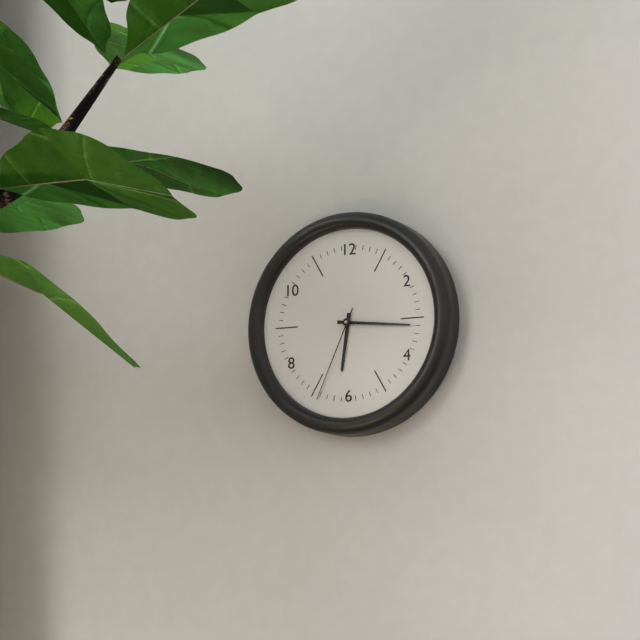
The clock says 6:16:34
